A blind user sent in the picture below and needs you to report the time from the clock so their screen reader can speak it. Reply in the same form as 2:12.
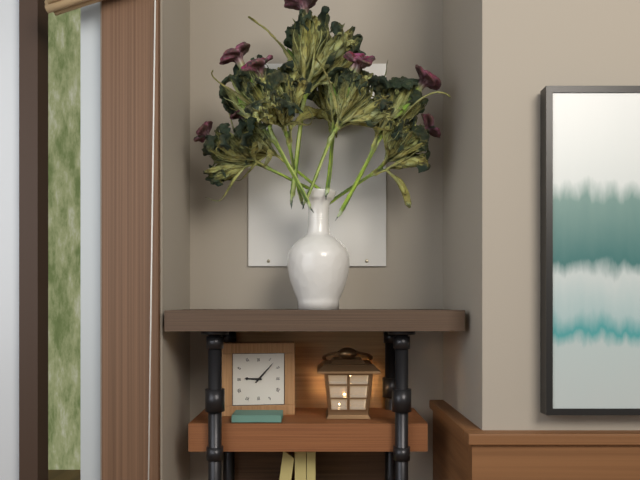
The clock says 9:07
